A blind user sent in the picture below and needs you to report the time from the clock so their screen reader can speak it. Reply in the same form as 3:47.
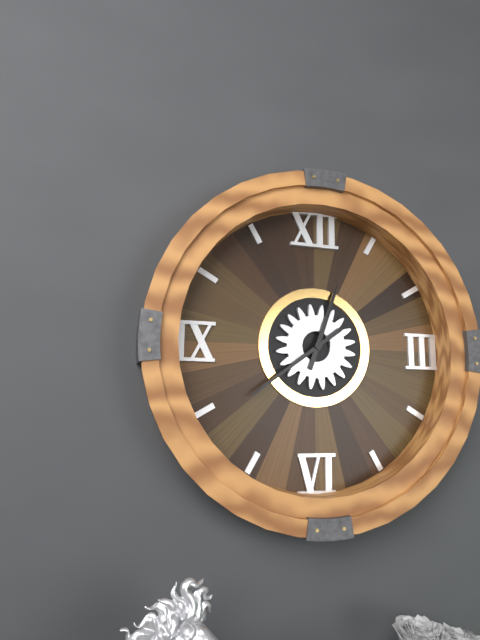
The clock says 12:39
